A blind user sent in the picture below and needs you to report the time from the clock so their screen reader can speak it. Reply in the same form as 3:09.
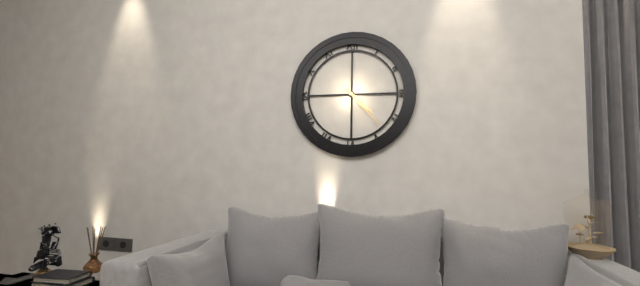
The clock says 4:23
